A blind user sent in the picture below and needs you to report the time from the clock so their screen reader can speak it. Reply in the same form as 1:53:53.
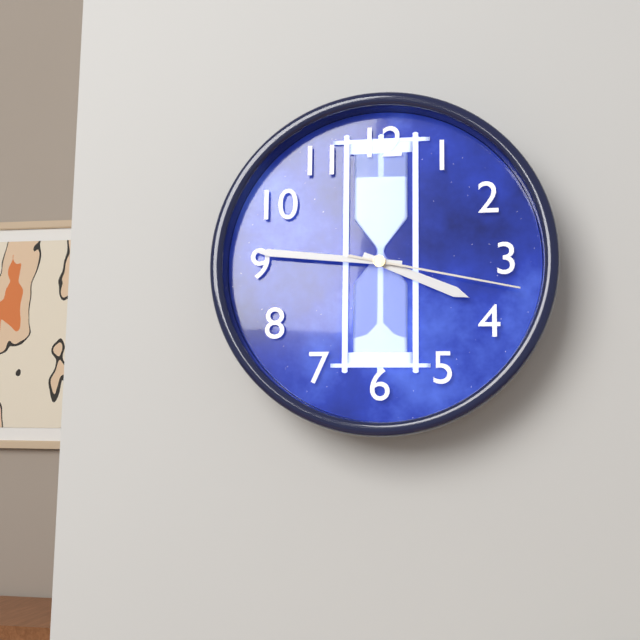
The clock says 3:46:17
